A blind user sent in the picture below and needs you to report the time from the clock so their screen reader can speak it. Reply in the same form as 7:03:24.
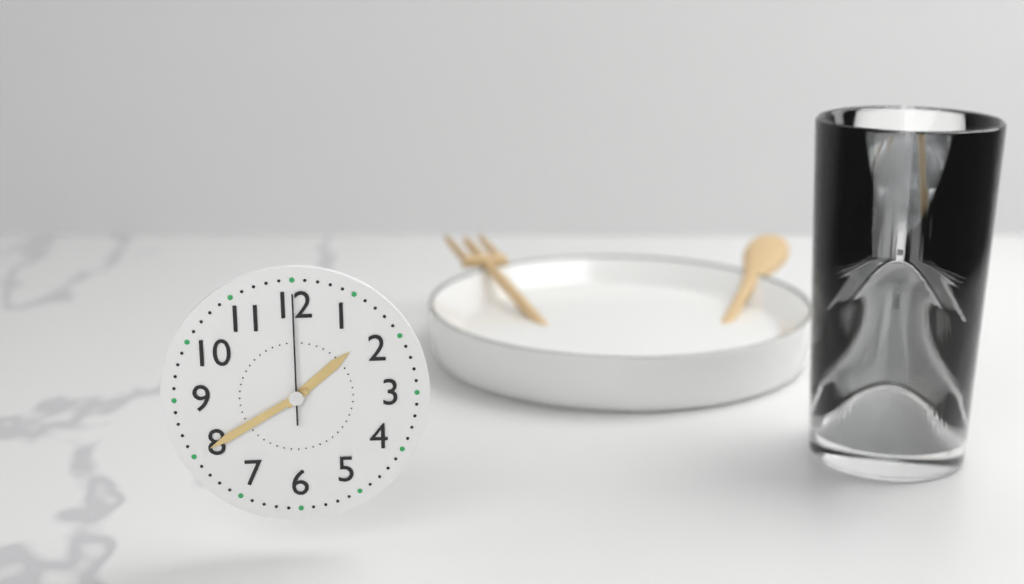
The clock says 1:40:00
